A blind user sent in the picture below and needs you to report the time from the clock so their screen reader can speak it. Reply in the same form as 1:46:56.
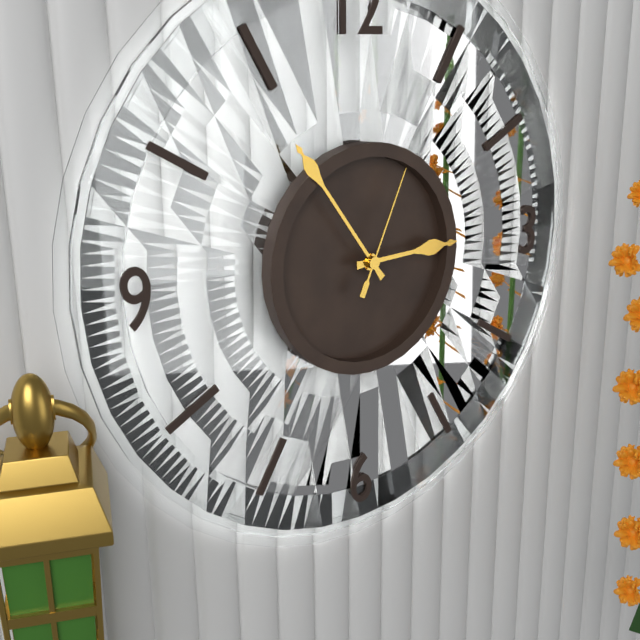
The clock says 2:54:04
